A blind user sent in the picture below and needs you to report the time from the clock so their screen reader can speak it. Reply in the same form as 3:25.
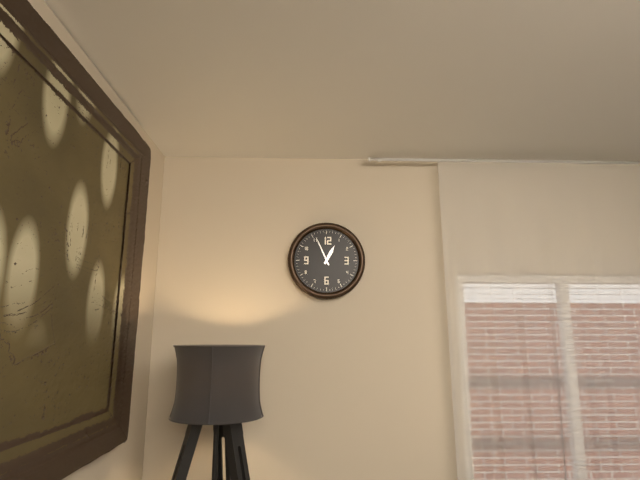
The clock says 12:56
